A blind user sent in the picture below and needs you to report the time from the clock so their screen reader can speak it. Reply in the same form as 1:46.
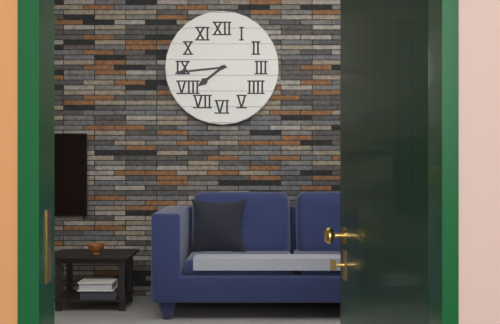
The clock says 7:44
